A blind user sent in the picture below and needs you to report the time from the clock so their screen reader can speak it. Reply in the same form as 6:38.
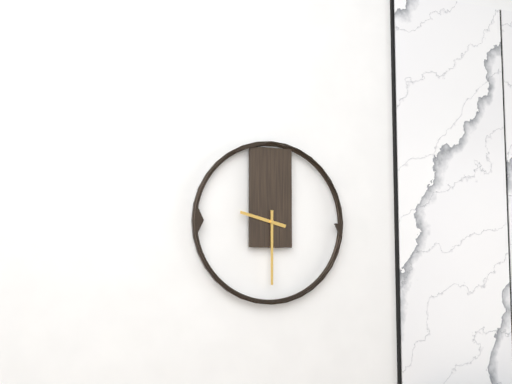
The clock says 9:30
